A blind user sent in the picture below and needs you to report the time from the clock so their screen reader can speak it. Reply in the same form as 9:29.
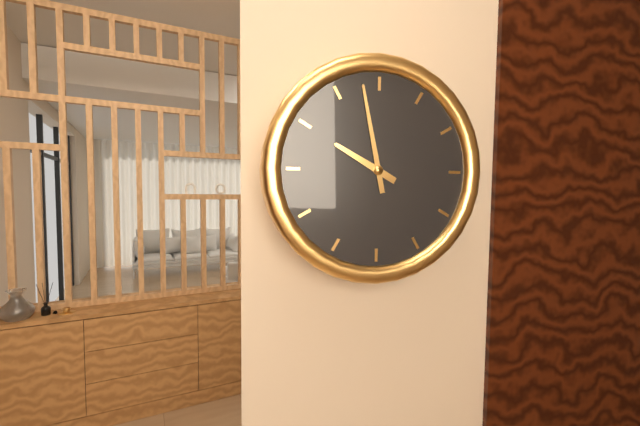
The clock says 9:58
